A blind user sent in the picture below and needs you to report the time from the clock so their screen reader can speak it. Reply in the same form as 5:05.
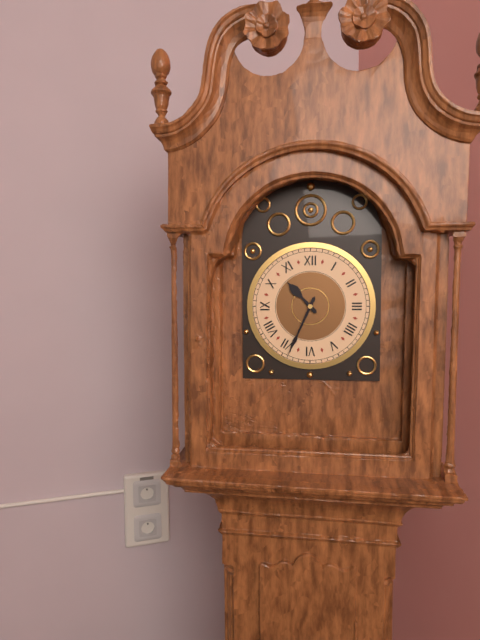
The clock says 10:34
